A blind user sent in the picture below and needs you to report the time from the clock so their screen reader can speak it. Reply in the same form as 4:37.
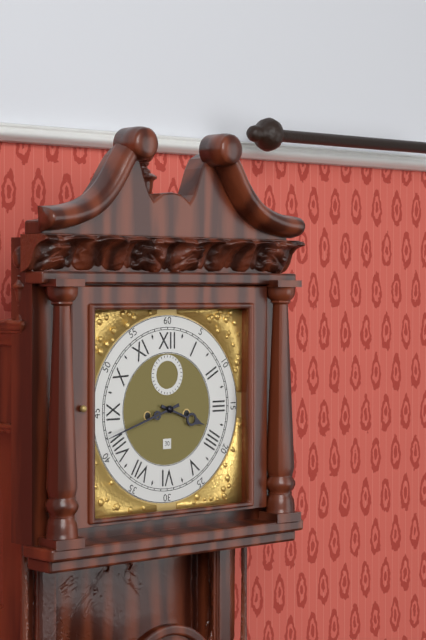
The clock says 3:42
